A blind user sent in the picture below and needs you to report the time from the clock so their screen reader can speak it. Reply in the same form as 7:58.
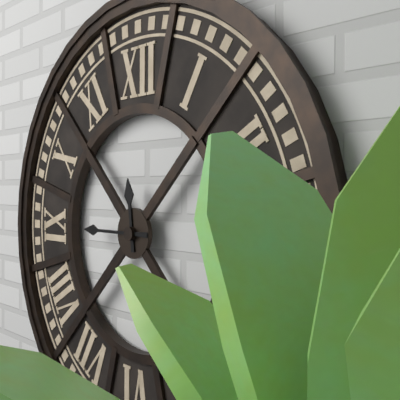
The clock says 11:45
